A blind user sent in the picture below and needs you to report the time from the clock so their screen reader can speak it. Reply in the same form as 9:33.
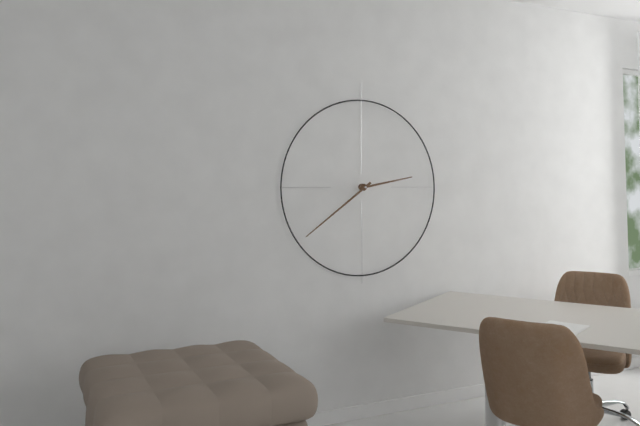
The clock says 2:39
